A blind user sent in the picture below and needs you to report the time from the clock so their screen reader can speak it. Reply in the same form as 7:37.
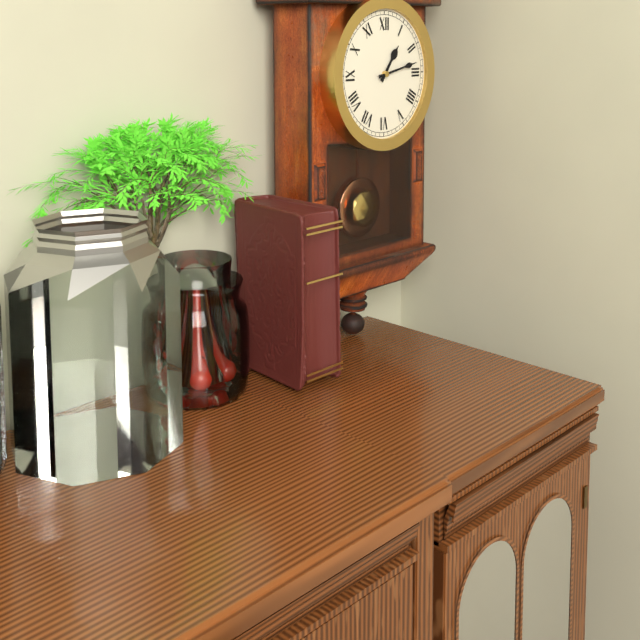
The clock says 1:13
